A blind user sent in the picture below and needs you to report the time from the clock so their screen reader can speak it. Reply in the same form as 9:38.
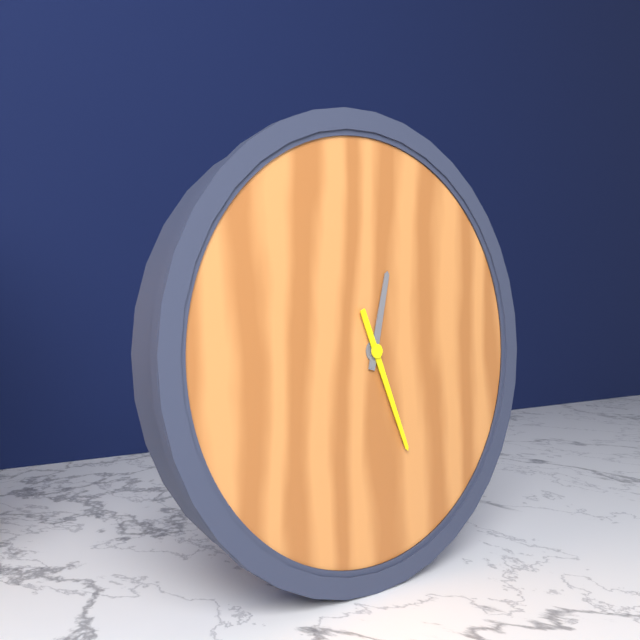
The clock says 12:26
